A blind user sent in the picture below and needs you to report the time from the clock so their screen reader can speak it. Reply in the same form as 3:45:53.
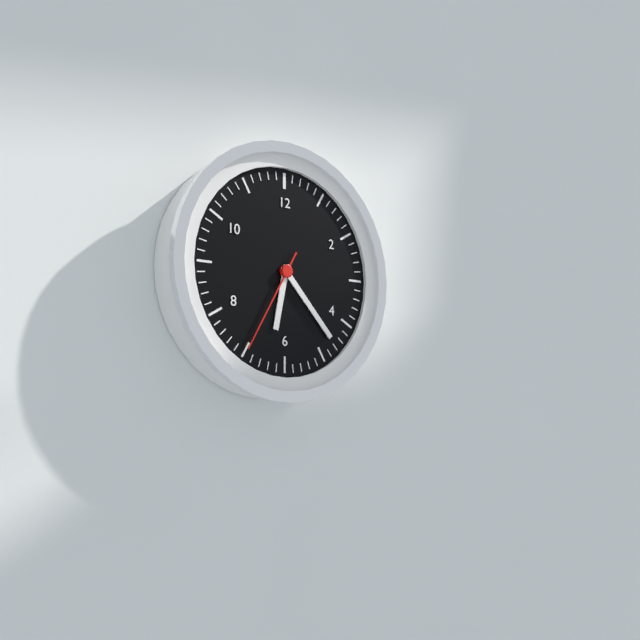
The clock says 6:23:35
